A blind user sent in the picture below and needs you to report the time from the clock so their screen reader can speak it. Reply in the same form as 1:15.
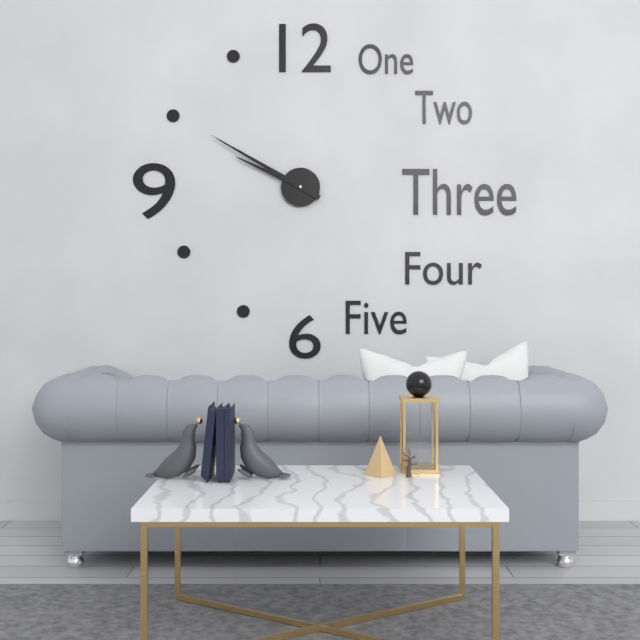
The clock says 9:50
